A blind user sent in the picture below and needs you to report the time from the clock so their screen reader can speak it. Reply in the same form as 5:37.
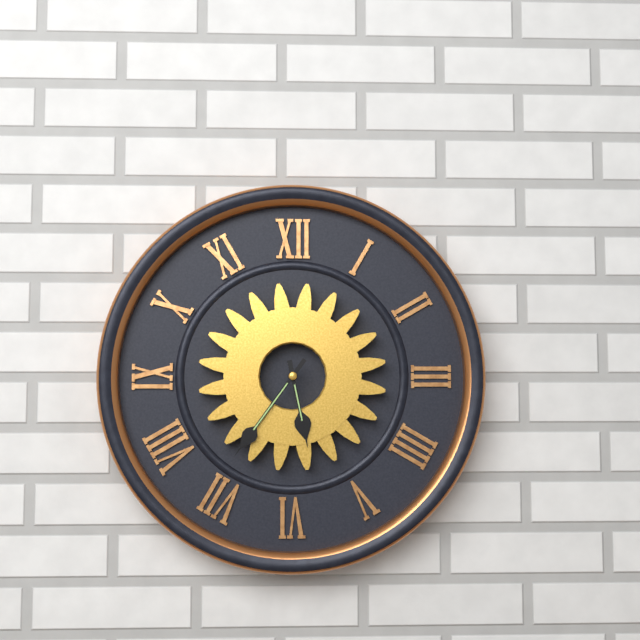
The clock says 5:36
